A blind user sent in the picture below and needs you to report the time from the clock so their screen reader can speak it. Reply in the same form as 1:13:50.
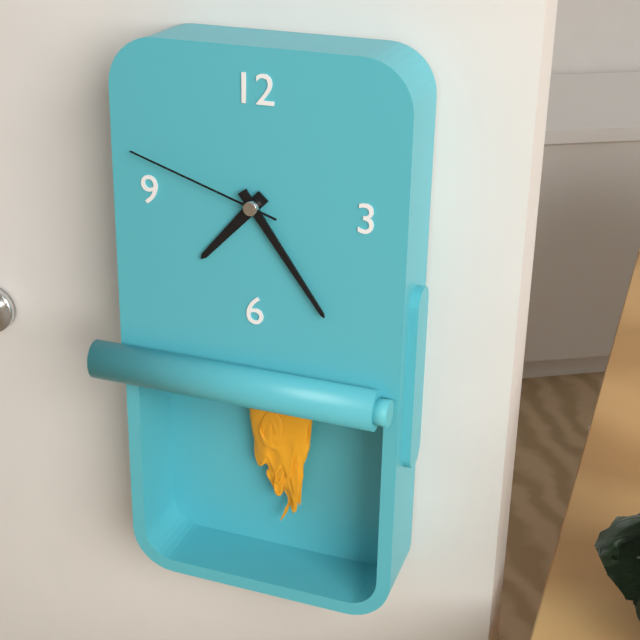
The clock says 7:24:48
